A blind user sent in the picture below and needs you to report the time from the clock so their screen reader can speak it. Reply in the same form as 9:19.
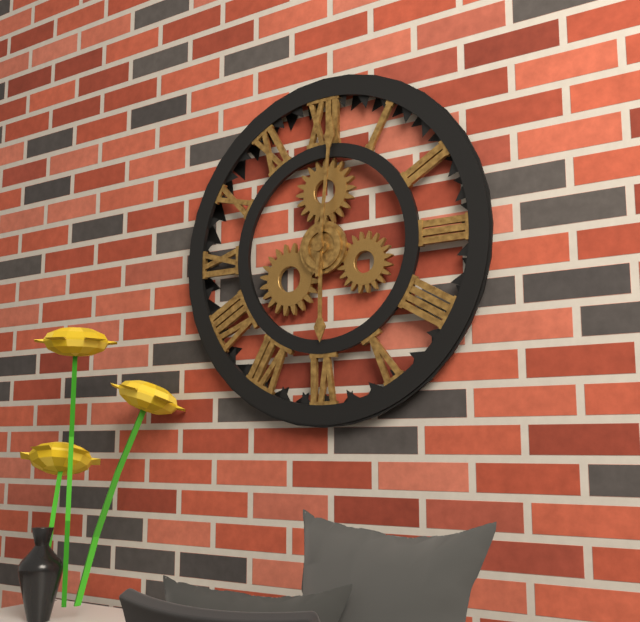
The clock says 6:01
